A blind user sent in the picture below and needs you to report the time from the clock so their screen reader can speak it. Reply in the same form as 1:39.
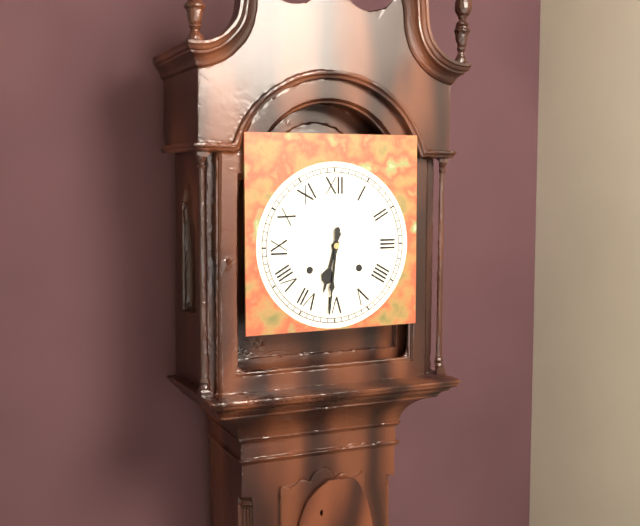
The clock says 6:31
